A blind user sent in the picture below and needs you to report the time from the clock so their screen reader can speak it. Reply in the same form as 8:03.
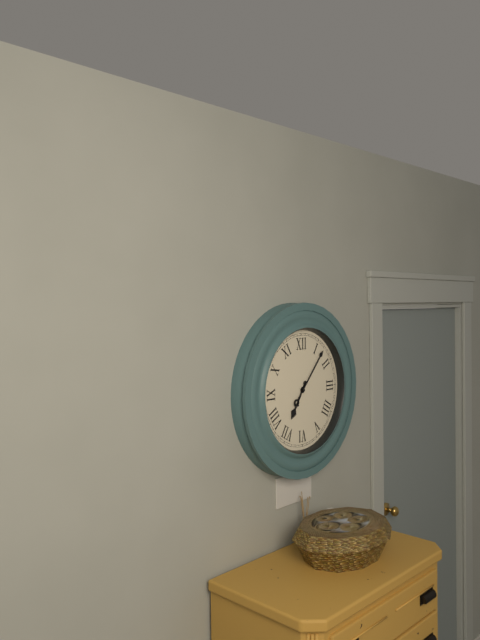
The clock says 7:07
